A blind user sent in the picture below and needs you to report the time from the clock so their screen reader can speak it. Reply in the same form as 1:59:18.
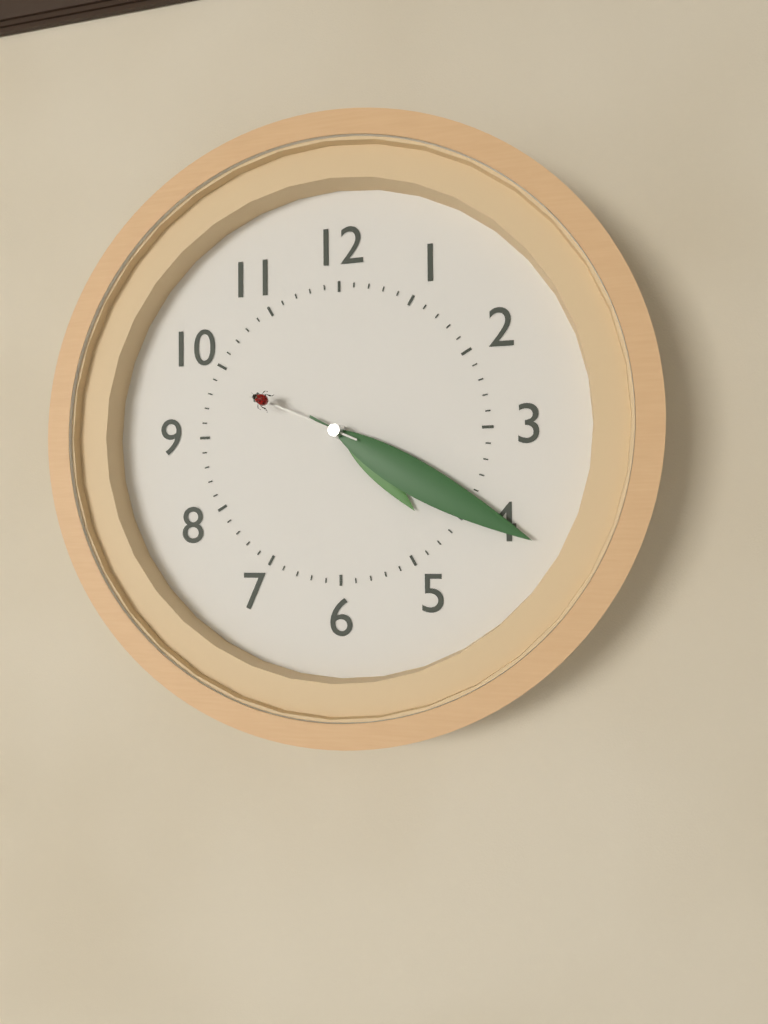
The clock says 4:20:49
